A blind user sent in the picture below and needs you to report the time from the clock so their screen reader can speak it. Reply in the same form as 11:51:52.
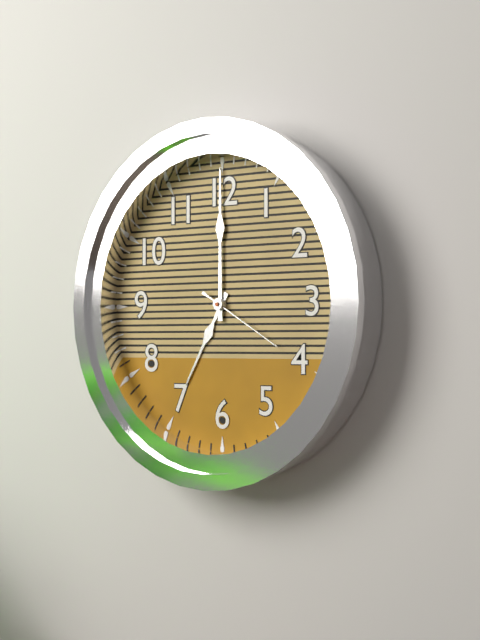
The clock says 7:00:20
